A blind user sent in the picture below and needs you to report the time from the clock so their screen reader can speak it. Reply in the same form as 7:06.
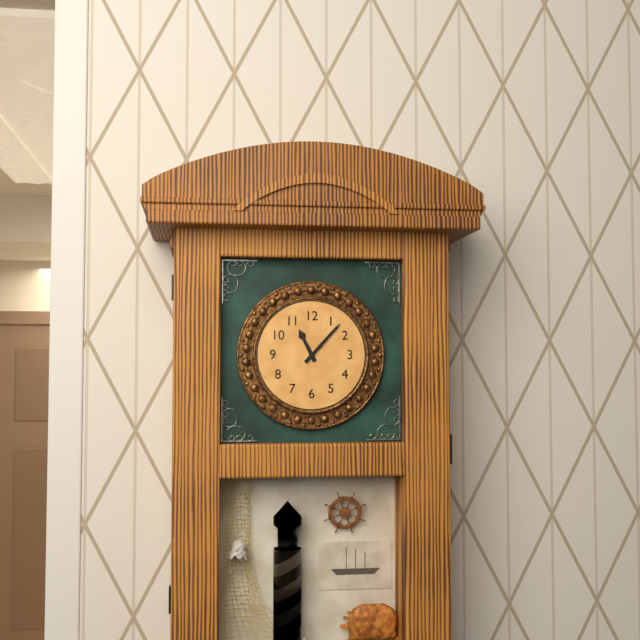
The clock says 11:07
